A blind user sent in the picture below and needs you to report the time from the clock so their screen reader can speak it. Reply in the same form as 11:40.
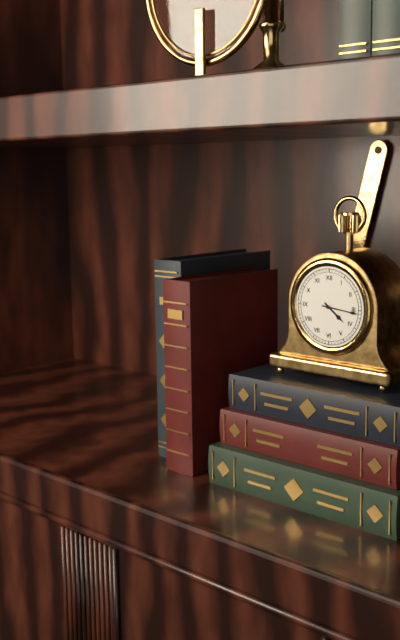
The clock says 4:16
